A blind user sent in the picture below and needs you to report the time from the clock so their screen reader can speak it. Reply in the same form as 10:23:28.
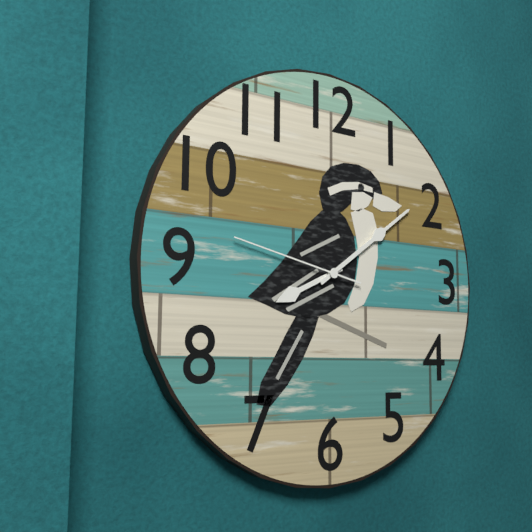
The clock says 8:09:47
